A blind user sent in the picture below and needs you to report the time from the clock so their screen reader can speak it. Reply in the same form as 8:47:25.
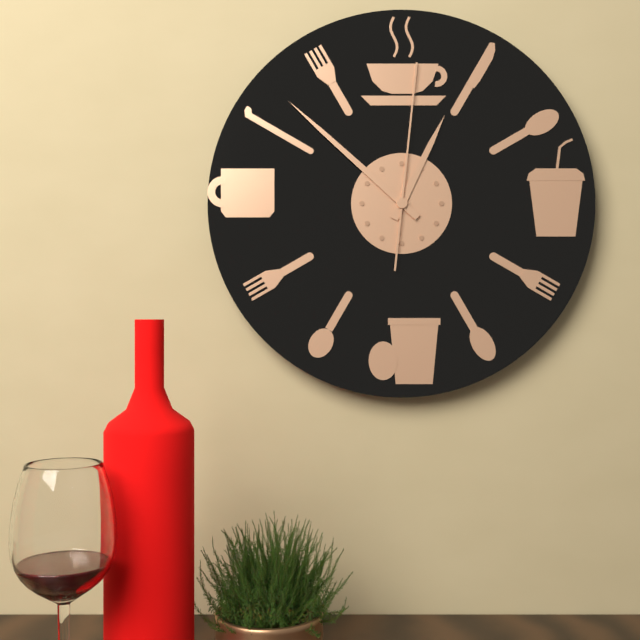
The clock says 12:52:01
